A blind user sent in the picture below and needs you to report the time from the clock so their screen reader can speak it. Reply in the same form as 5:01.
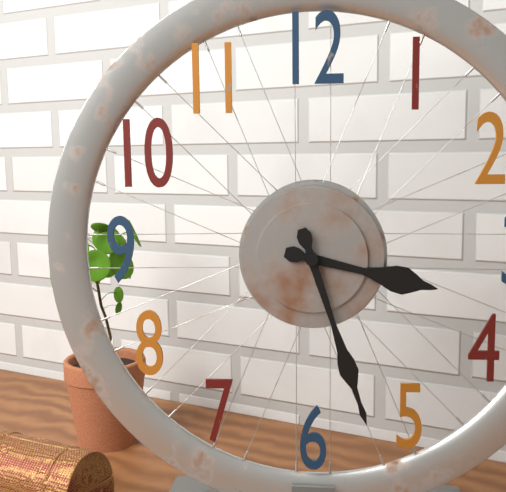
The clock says 3:27
